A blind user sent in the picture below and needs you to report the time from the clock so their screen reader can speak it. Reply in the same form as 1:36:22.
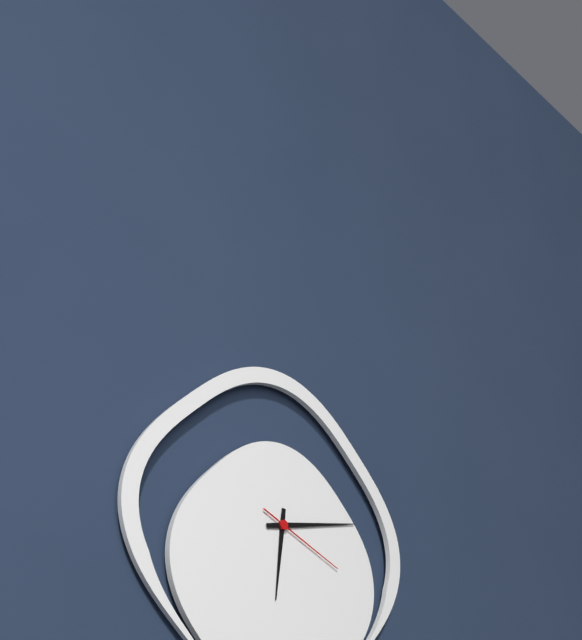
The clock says 6:13:19
